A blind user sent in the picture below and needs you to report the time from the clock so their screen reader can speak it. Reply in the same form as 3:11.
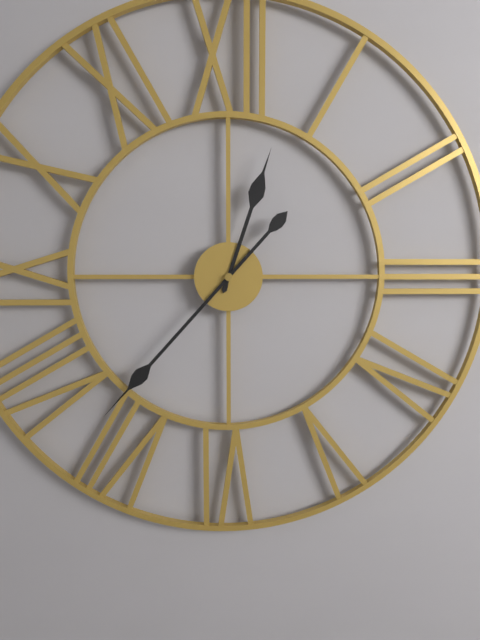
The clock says 12:37
